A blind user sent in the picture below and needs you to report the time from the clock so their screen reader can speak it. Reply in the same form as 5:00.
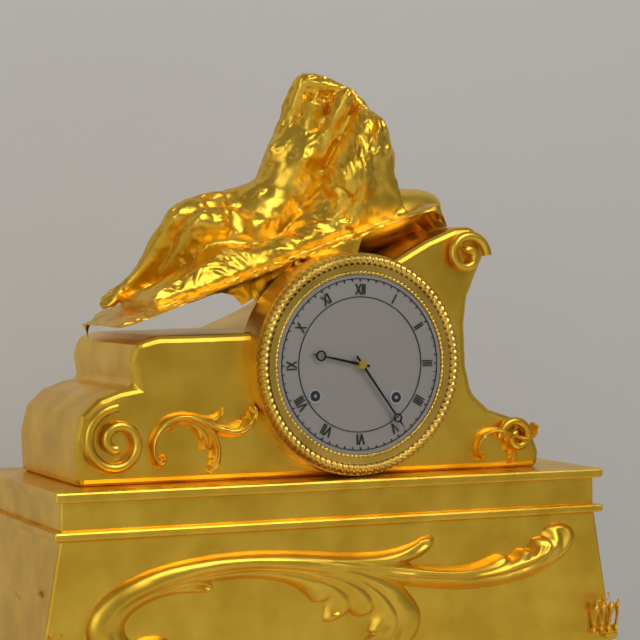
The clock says 9:24
